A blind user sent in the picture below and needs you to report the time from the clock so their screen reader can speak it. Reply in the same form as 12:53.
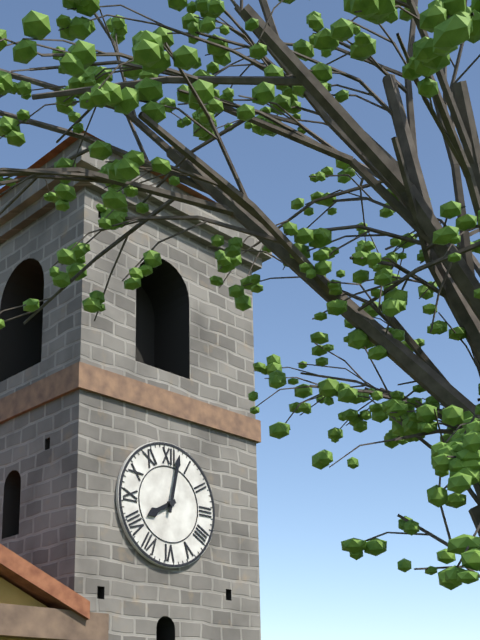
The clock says 8:02
